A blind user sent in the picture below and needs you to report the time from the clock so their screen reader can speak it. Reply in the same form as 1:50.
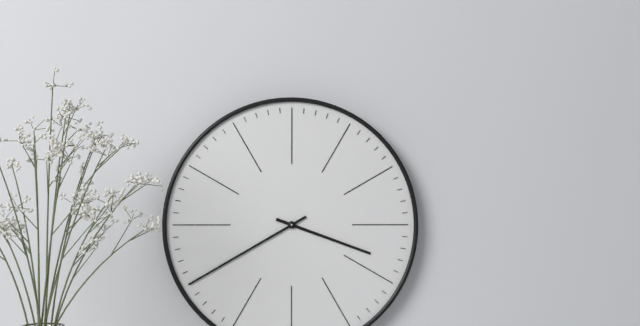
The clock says 3:40
